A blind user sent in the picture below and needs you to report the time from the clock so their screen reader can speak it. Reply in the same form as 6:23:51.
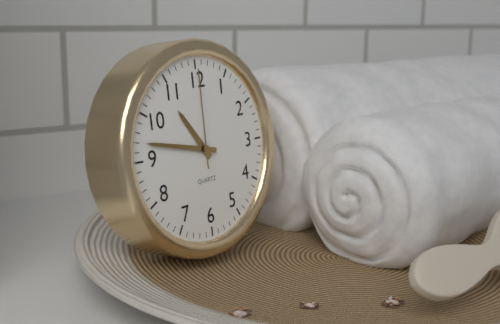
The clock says 10:47:00
